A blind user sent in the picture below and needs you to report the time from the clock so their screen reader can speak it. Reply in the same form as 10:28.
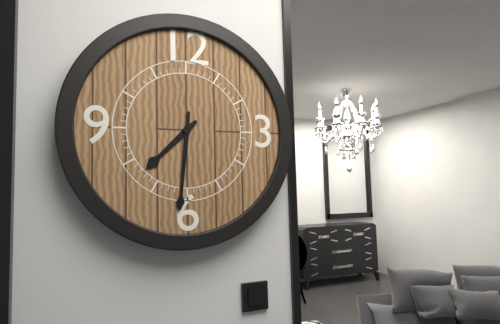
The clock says 7:31
